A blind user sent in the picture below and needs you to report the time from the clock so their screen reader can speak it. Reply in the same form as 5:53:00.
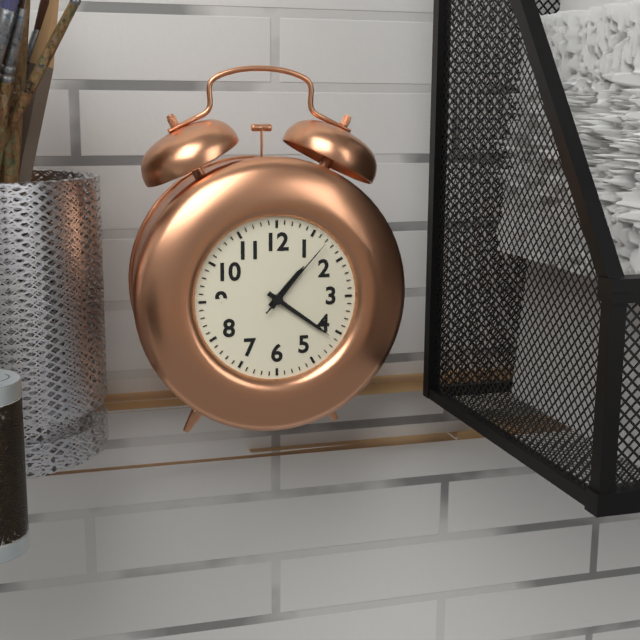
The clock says 1:21:07
